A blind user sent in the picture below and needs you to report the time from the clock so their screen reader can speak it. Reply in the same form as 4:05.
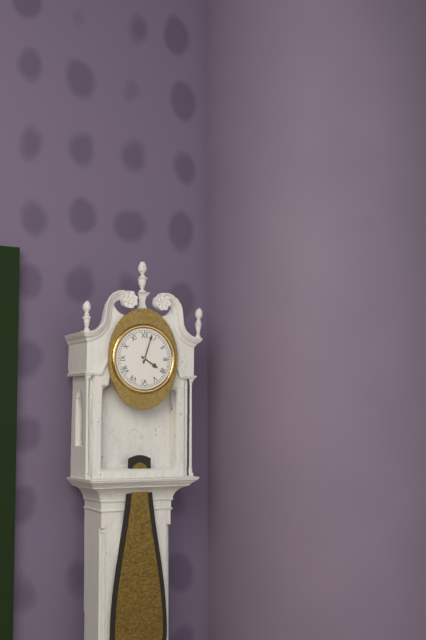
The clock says 4:03
